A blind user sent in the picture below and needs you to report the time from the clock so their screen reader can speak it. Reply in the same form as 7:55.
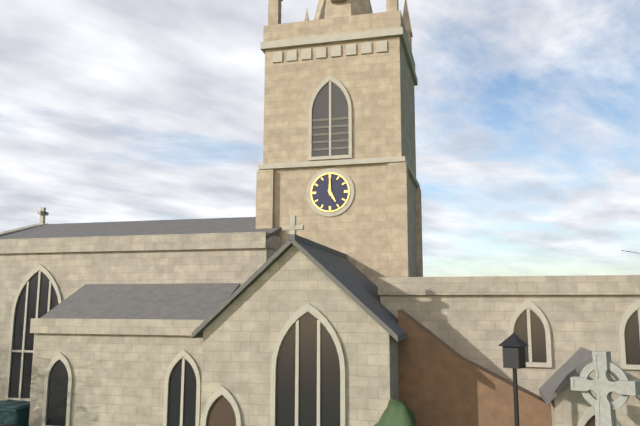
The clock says 5:00
